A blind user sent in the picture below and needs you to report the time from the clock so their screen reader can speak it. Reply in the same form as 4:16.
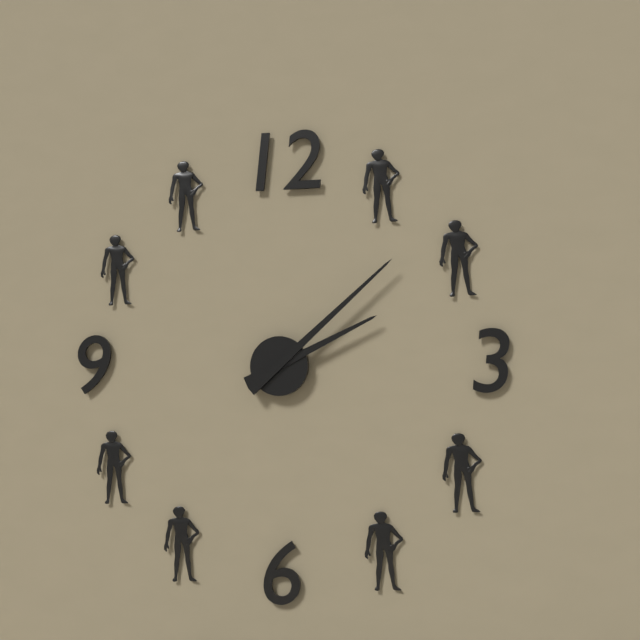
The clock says 2:08
